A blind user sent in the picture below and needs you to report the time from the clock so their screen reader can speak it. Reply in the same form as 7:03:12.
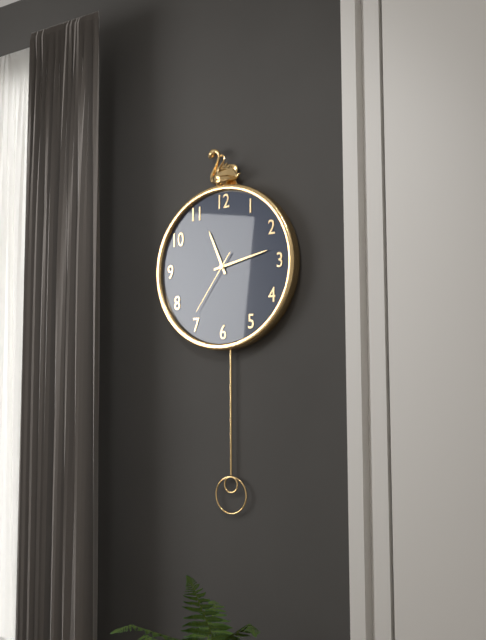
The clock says 11:13:36
